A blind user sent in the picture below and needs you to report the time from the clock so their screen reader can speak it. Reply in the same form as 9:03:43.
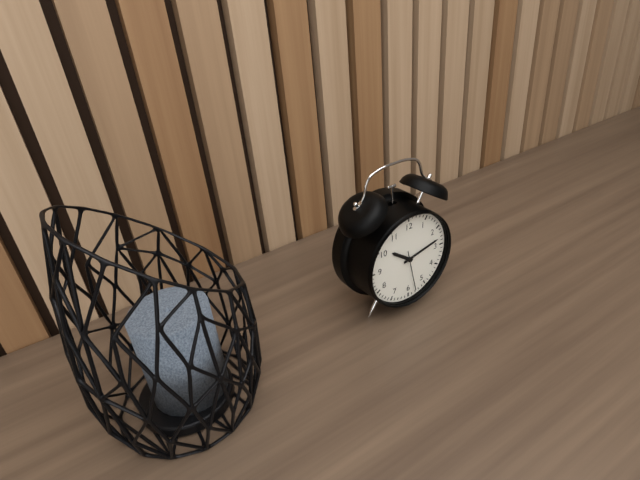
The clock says 10:13:28
